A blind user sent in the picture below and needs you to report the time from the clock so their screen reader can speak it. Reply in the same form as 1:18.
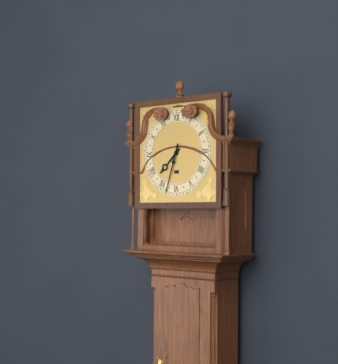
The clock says 7:33
